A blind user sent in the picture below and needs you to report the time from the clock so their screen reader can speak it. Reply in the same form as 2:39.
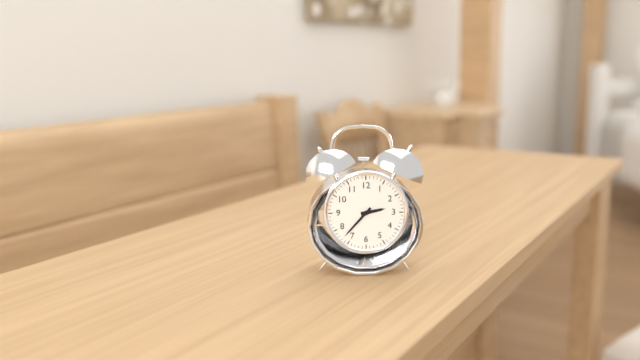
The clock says 2:37
